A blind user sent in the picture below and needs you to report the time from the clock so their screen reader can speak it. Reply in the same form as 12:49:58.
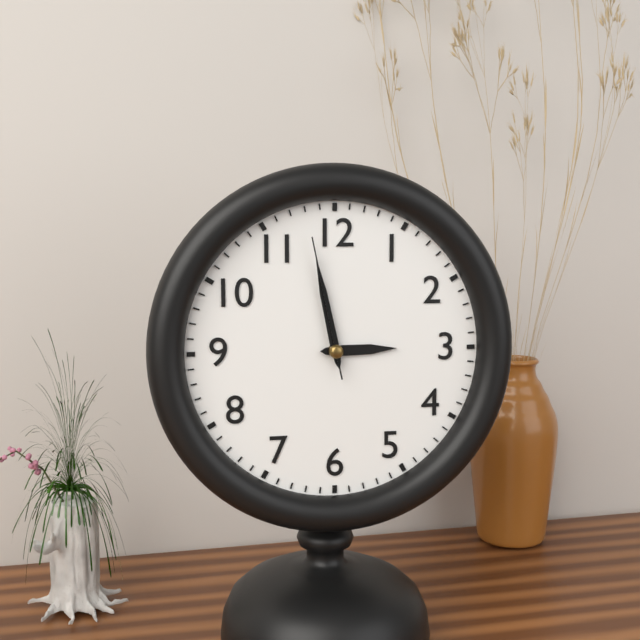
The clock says 2:58:58
